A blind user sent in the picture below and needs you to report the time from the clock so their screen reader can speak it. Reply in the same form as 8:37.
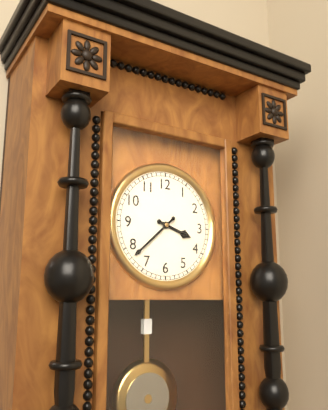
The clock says 3:38
